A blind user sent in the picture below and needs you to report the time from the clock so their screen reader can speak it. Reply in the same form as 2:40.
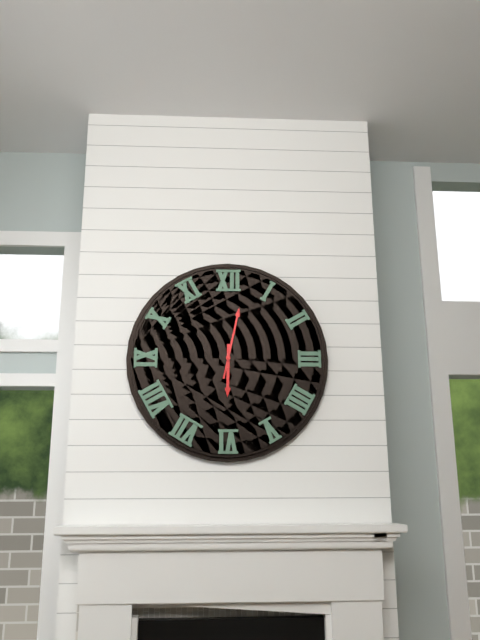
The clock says 6:02
